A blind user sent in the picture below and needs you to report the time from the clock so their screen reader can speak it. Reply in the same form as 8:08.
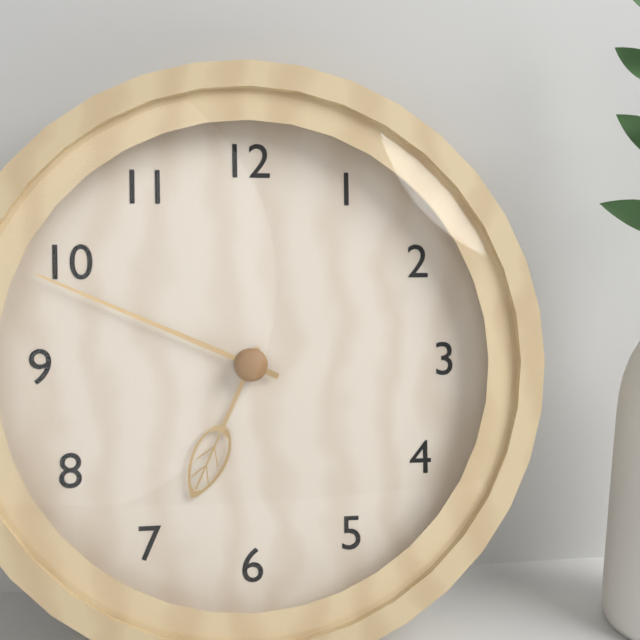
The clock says 6:49
